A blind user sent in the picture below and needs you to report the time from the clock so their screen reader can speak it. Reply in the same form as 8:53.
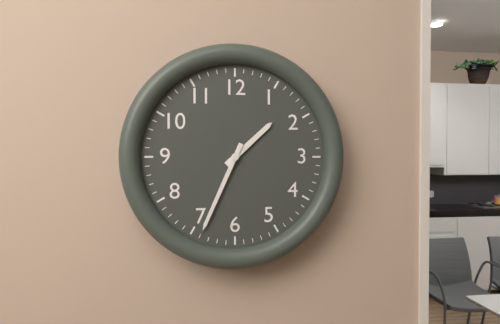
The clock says 1:34
